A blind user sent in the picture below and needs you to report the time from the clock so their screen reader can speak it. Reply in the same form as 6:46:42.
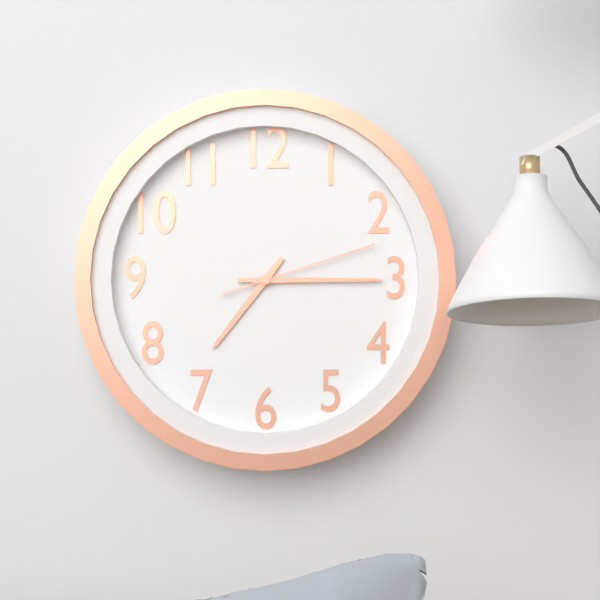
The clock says 7:15:12
